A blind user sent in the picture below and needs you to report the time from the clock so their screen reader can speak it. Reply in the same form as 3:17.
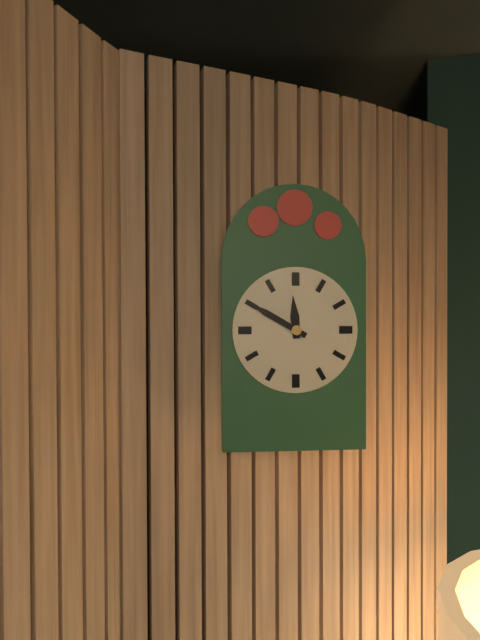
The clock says 11:50
